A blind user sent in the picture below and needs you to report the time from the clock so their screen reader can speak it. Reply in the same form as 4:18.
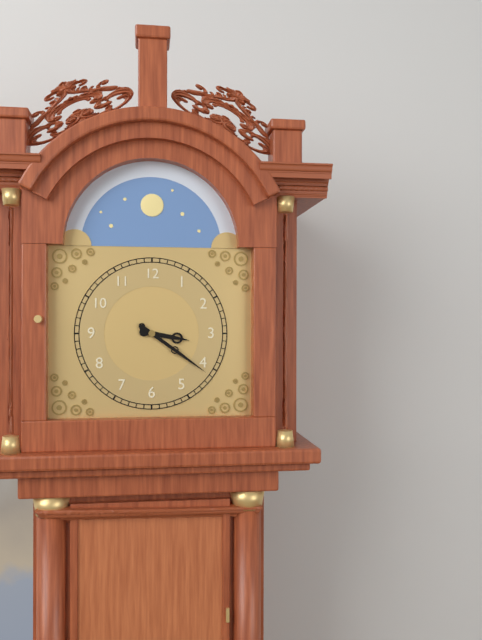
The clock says 3:21
